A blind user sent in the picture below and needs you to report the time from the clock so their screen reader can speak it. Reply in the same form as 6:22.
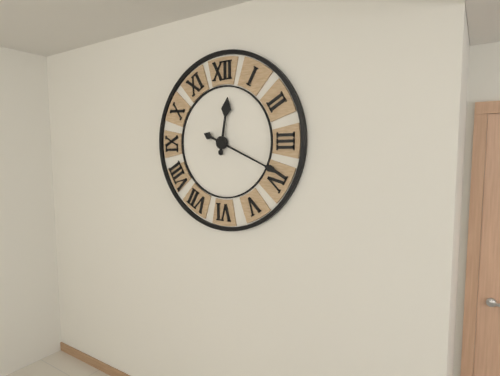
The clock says 12:19
